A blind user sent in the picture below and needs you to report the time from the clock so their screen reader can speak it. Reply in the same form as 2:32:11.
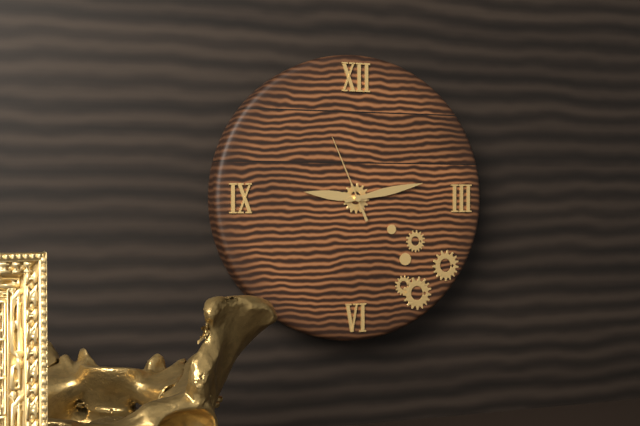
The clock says 9:13:56
